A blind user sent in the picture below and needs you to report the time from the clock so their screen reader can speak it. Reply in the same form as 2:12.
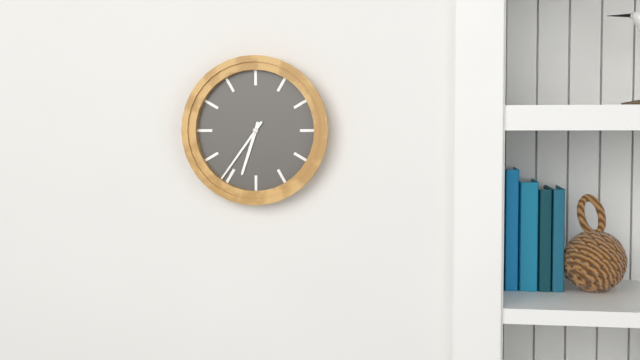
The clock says 6:36
